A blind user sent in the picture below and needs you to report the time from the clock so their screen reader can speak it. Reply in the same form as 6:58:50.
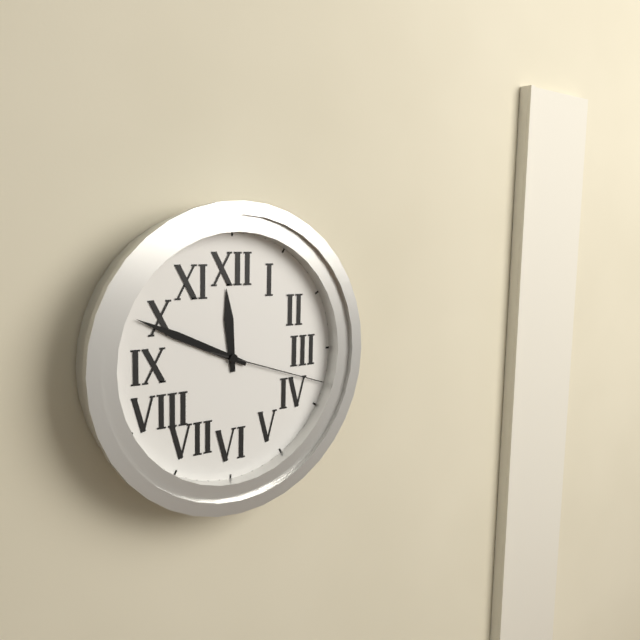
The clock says 11:49:18
